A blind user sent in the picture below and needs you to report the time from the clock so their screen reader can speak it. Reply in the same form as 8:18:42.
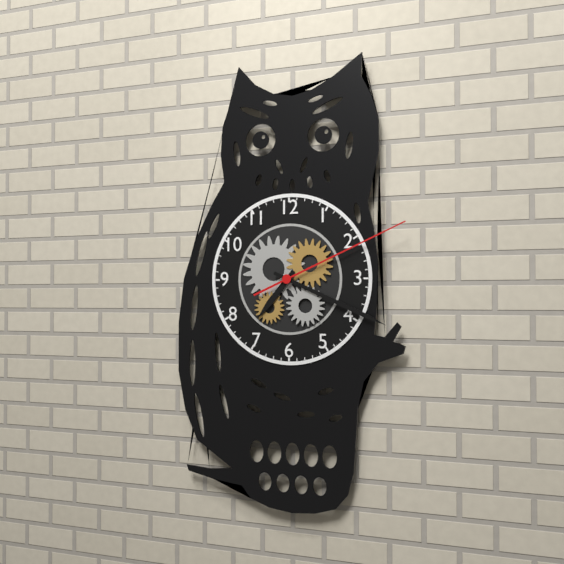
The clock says 7:19:11
